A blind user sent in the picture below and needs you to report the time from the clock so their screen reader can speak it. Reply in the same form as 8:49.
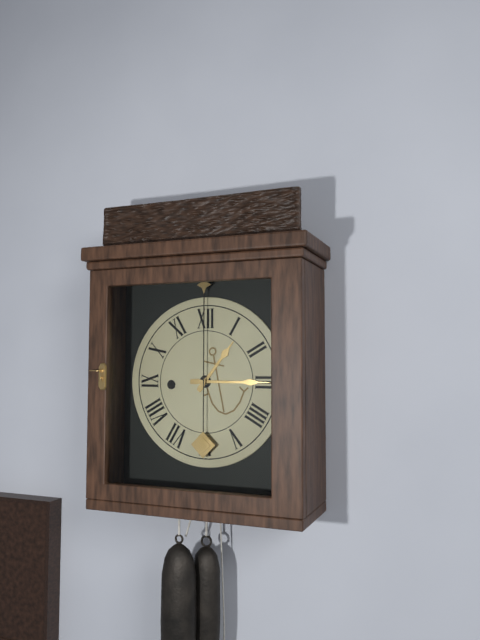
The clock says 1:15
